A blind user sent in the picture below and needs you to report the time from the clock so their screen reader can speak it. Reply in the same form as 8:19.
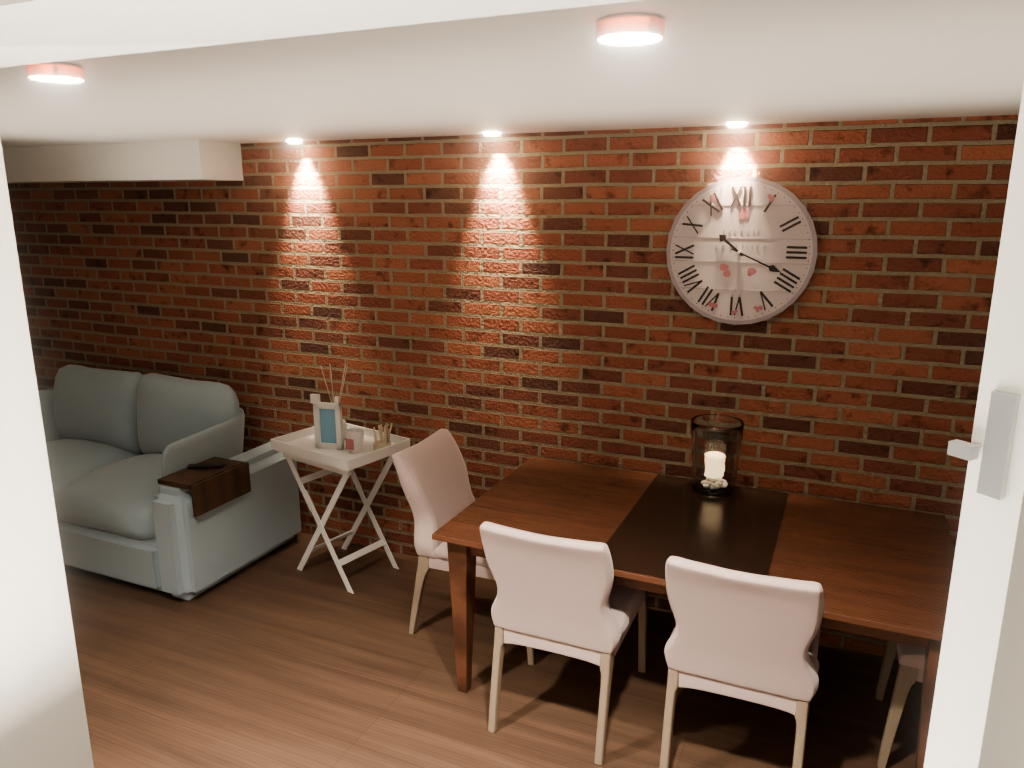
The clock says 10:19
